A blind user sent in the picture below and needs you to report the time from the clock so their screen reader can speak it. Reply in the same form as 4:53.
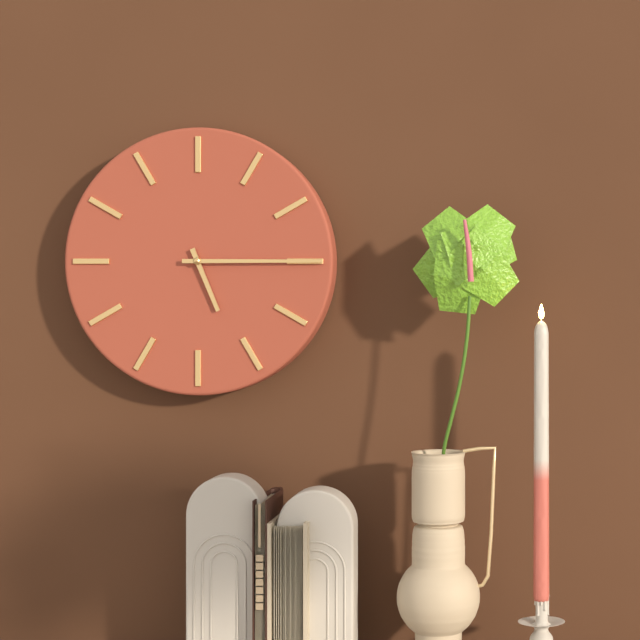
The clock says 5:15
